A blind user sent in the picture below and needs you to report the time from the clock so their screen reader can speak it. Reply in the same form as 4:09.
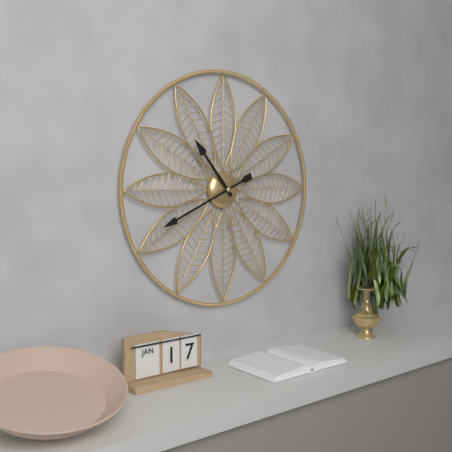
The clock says 10:41
